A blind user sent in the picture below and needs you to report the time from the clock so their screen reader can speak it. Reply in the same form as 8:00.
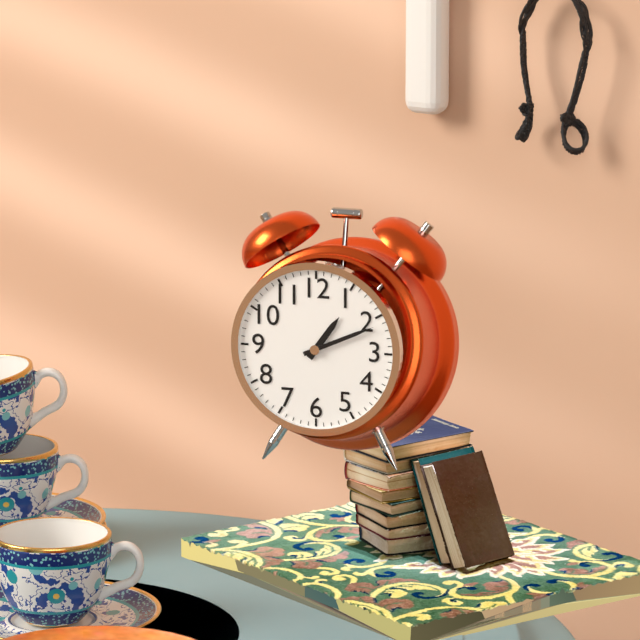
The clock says 1:11
